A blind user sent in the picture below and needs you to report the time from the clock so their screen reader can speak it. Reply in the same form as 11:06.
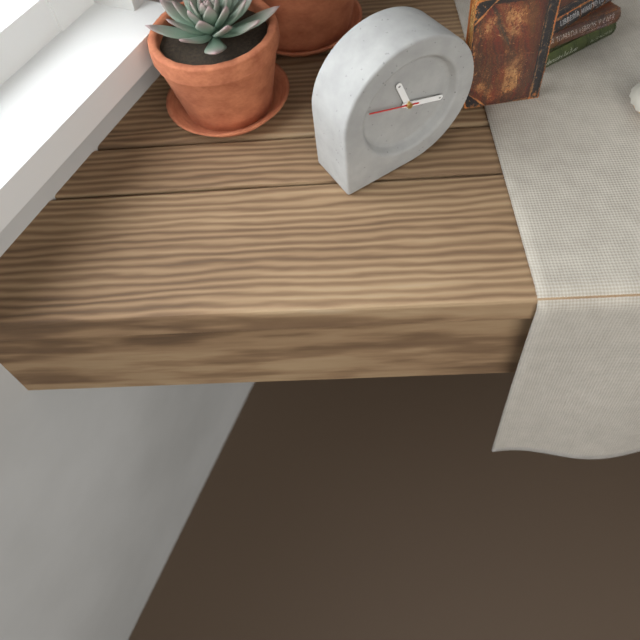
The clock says 11:18
